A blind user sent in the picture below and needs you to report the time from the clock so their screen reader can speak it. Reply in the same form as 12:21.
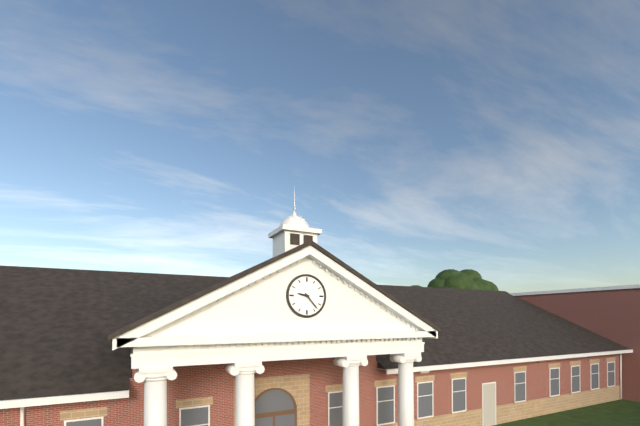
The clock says 9:23
